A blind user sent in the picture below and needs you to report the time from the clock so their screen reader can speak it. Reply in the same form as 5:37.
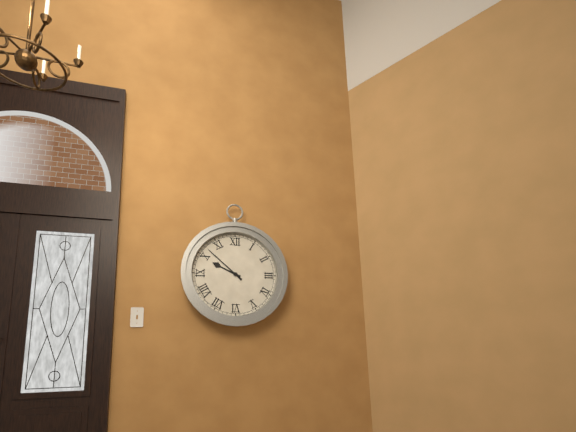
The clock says 9:52
